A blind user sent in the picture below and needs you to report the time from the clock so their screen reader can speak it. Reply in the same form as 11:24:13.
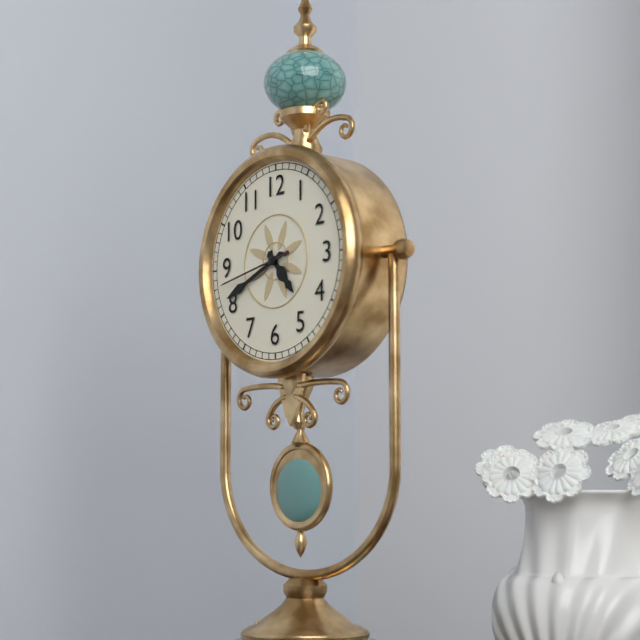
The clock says 4:41:43
